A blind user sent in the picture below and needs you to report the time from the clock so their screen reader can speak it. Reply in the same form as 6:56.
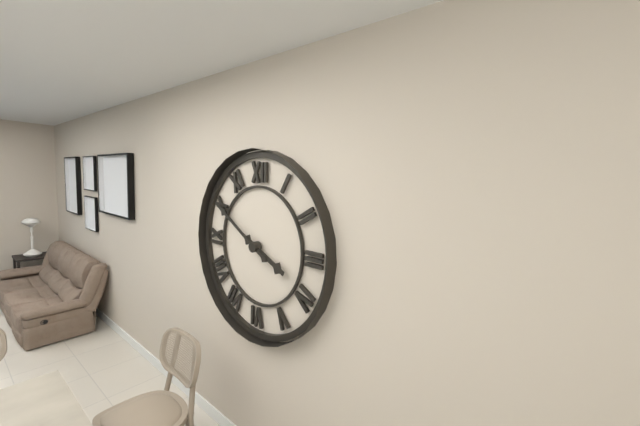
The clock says 3:50
